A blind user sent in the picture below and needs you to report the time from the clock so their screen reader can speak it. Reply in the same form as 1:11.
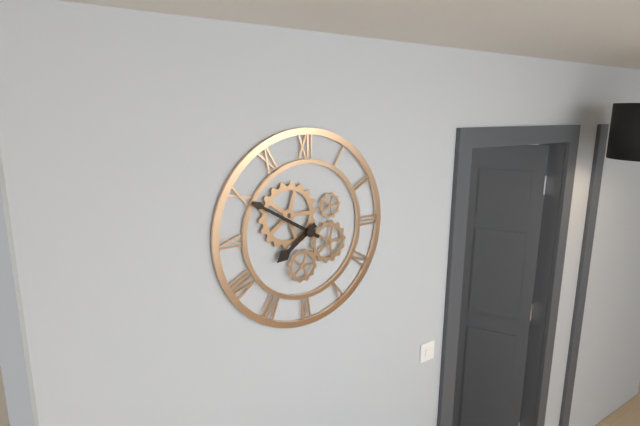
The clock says 7:50
